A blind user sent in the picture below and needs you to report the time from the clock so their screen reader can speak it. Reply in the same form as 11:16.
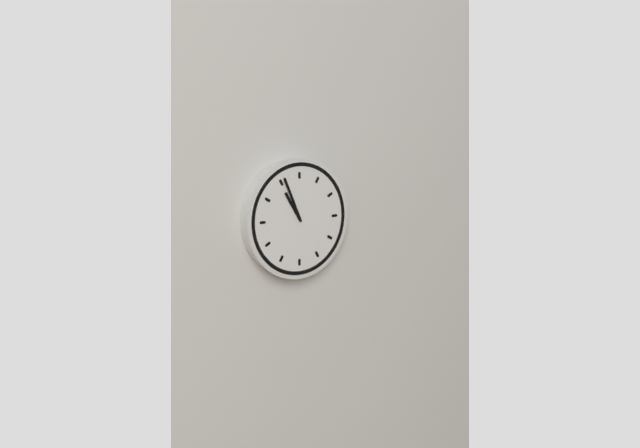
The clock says 10:56
